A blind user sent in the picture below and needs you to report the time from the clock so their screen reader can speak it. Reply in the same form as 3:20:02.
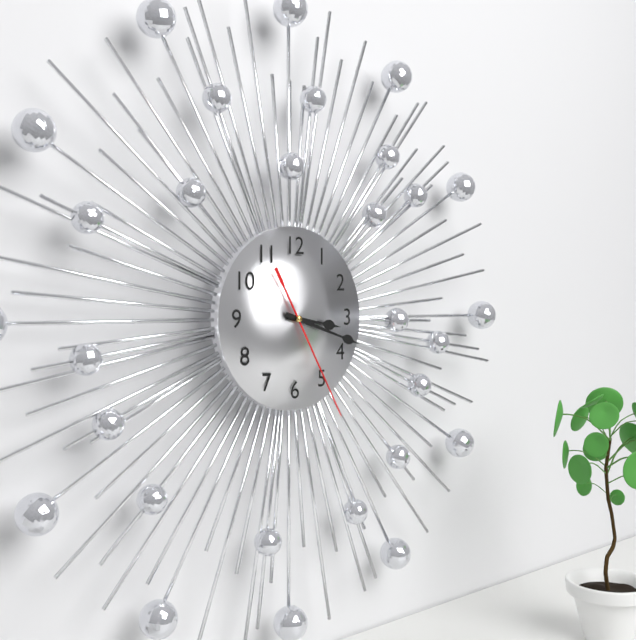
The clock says 3:18:25
